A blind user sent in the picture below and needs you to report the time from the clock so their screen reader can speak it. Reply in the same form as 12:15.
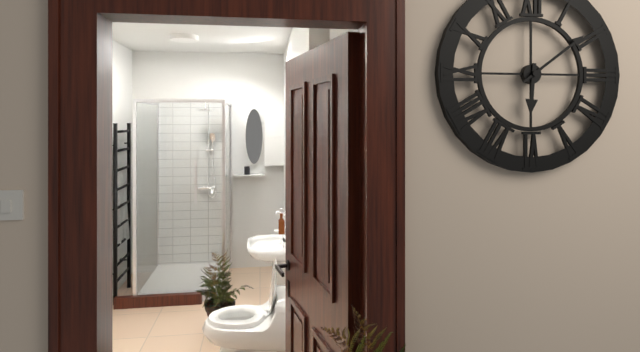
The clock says 6:09
